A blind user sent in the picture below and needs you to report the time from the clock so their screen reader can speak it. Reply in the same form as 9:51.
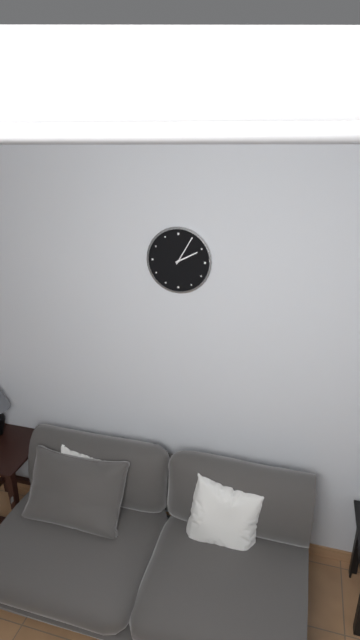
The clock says 2:05
